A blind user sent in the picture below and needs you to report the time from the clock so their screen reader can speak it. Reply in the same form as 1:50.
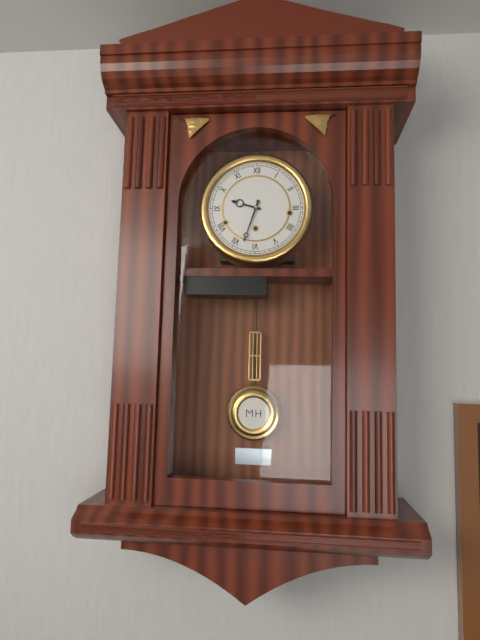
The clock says 9:33
